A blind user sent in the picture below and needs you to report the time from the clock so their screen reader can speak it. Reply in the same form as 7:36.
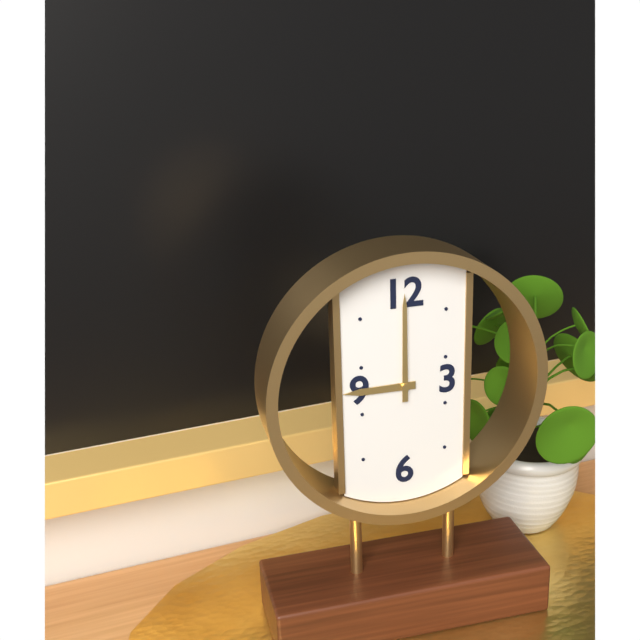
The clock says 9:00
